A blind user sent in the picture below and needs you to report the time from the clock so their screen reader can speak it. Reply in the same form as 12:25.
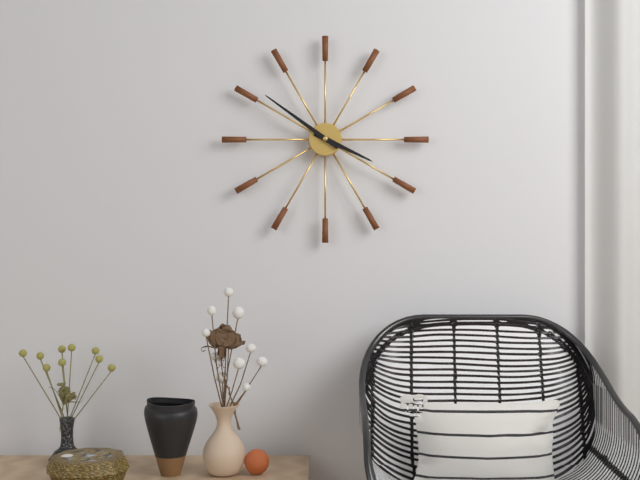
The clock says 3:51
